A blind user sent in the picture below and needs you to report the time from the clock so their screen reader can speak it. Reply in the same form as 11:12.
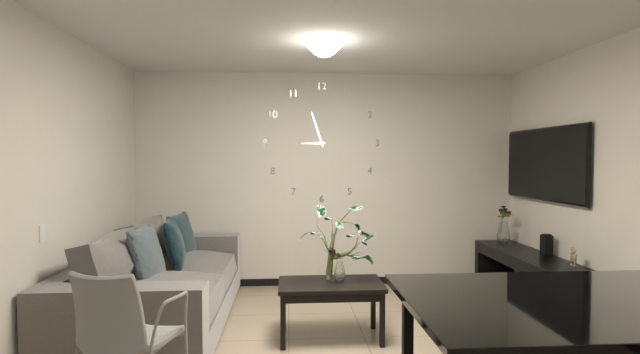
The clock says 8:57
